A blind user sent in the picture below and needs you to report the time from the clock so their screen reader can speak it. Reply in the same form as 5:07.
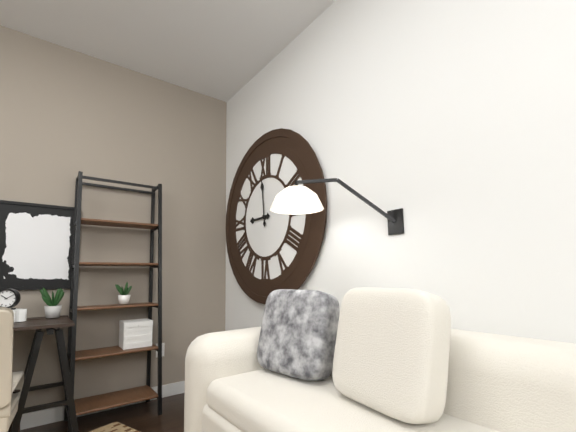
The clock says 8:59
